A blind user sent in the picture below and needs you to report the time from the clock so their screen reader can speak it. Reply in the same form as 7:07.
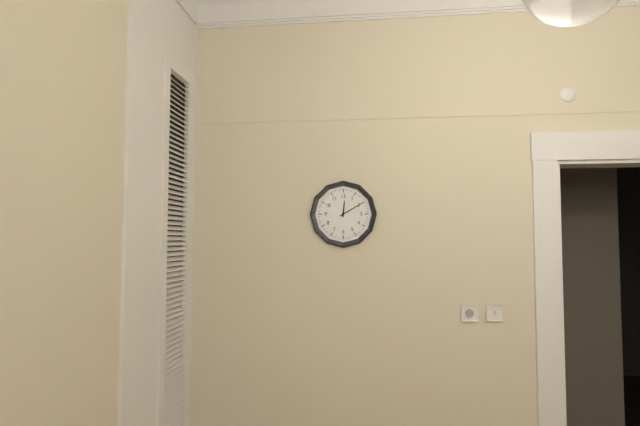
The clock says 12:10
